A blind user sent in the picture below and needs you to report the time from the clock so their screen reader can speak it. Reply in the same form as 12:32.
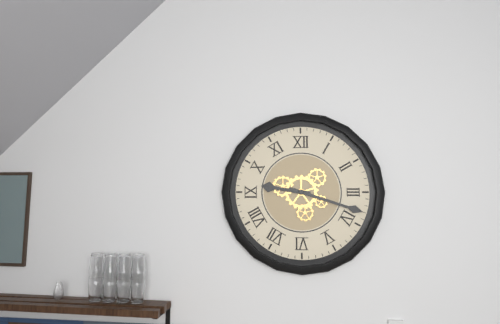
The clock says 9:18
